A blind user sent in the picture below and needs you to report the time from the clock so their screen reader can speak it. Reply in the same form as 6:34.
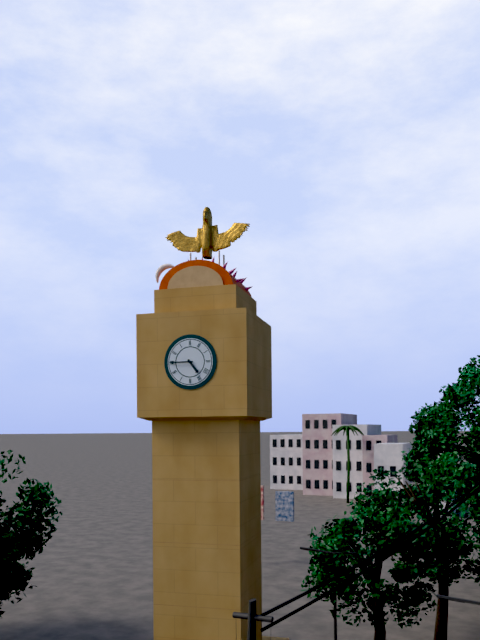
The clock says 4:45
